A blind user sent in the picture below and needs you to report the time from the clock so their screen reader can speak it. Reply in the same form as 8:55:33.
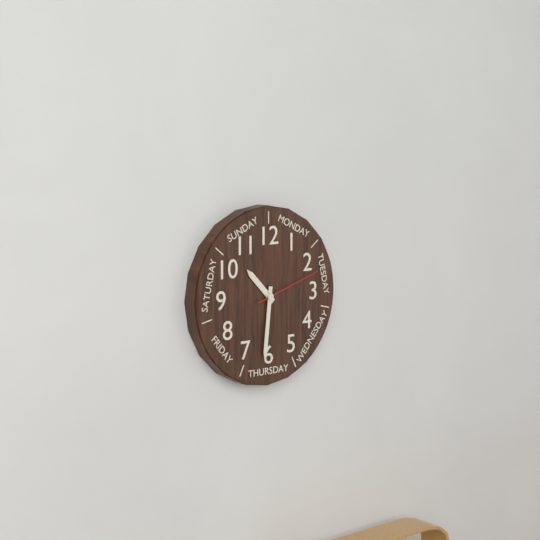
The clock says 10:31:12
